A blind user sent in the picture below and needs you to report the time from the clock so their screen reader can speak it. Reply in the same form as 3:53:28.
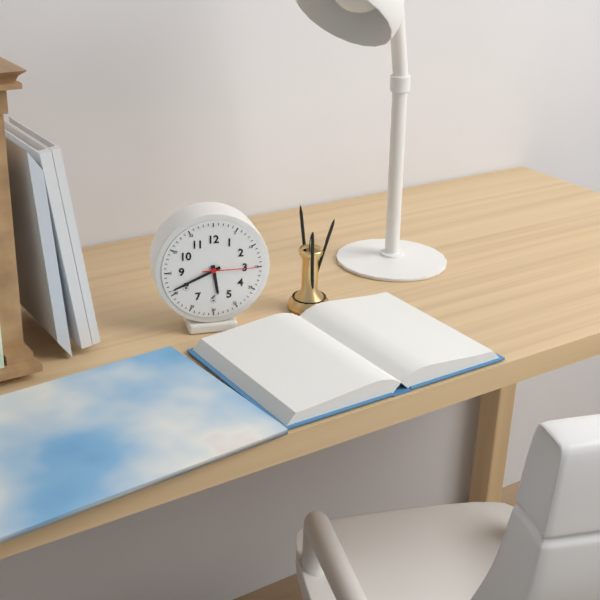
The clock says 5:41:15
